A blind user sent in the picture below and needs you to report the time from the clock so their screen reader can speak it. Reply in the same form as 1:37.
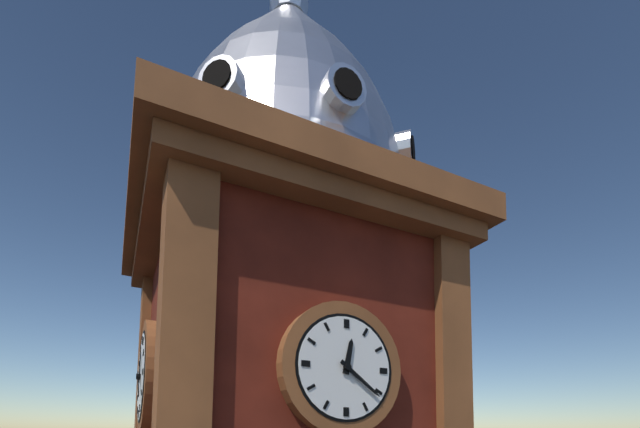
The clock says 12:21
